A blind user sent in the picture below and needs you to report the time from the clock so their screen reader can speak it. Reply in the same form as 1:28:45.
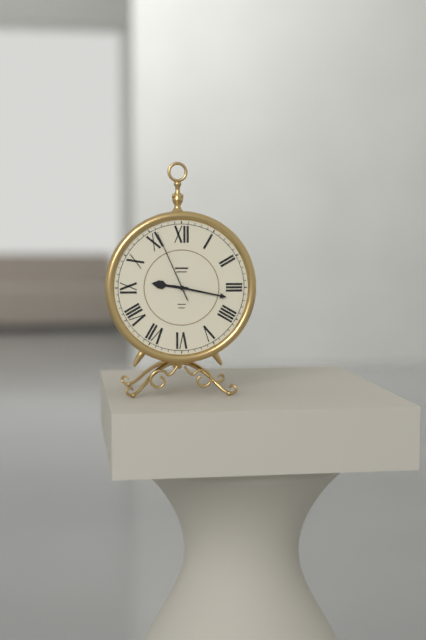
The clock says 9:17:56
